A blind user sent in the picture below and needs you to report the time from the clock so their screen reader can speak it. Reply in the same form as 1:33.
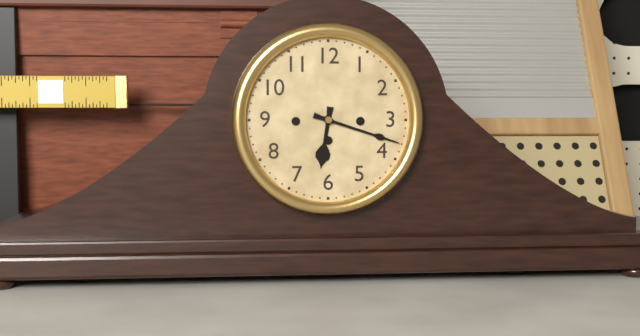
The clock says 6:18
